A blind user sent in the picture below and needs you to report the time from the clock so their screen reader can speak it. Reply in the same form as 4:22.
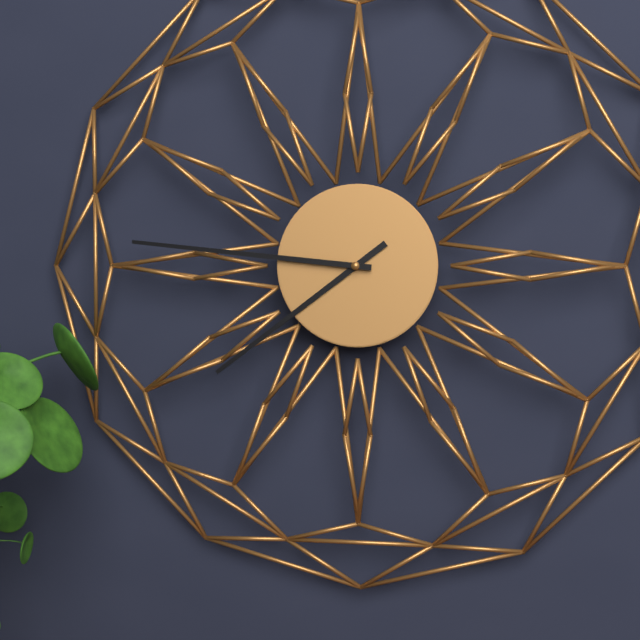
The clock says 7:46
